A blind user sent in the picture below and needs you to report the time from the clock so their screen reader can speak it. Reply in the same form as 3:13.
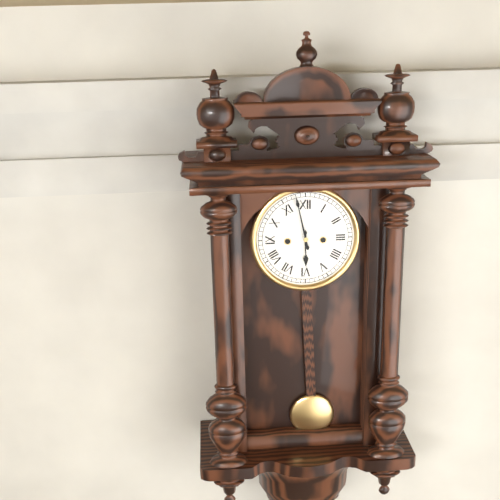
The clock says 5:58
